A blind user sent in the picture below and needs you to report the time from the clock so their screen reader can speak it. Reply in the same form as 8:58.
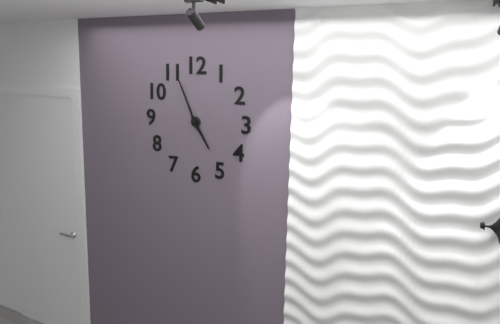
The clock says 4:56
